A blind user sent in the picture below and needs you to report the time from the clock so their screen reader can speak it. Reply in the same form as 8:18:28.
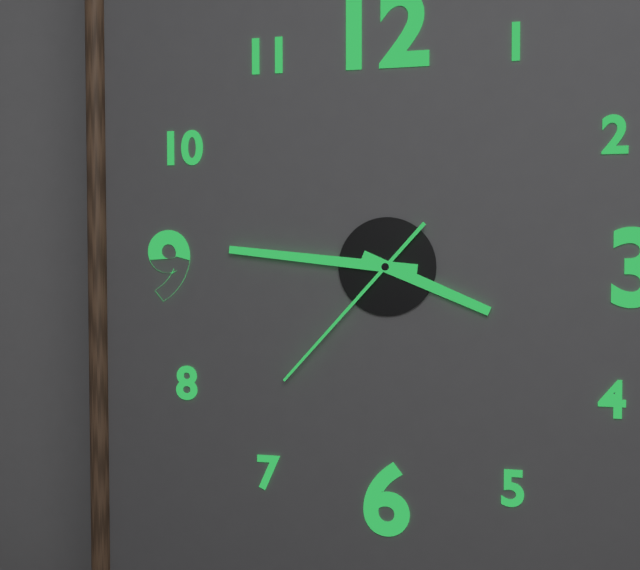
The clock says 3:46:37
